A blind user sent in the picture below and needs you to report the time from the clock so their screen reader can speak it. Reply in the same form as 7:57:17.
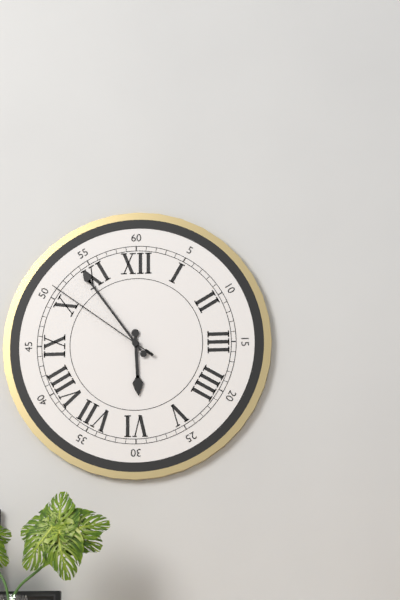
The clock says 5:54:51
